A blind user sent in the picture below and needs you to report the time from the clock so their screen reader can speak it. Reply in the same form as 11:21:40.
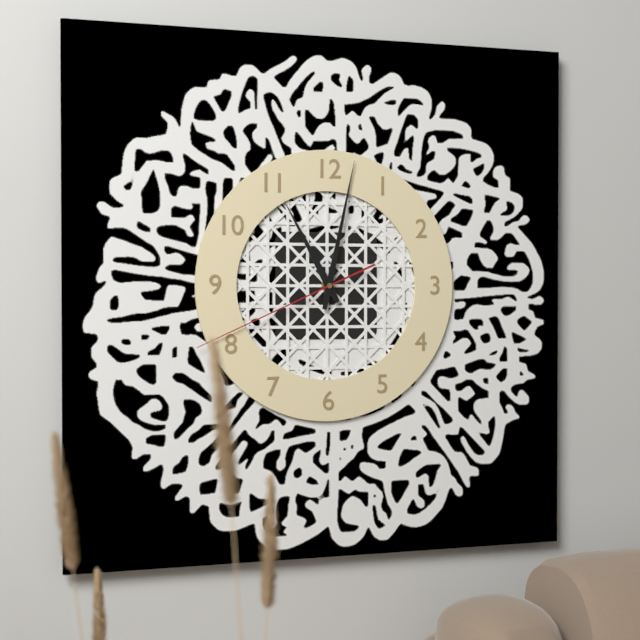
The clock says 11:02:41
